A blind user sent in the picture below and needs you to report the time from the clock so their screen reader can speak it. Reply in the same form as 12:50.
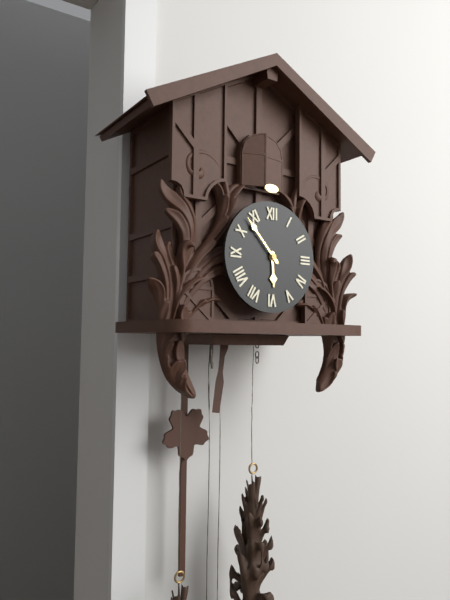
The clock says 5:53
